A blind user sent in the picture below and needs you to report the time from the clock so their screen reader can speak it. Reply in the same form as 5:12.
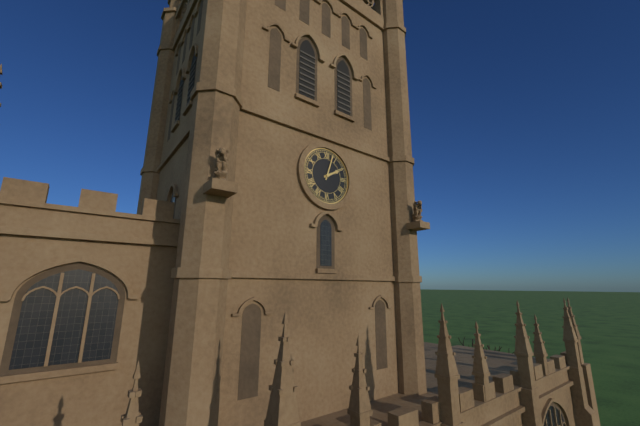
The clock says 2:03
